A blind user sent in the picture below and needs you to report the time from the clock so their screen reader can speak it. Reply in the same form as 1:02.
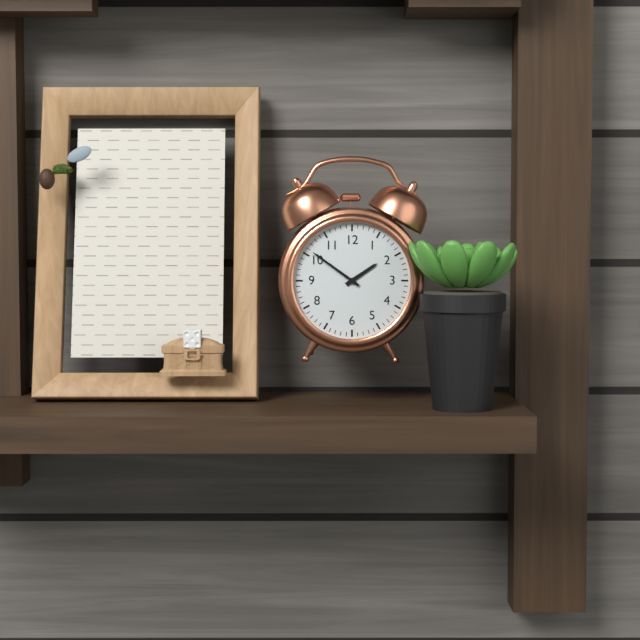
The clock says 1:51
